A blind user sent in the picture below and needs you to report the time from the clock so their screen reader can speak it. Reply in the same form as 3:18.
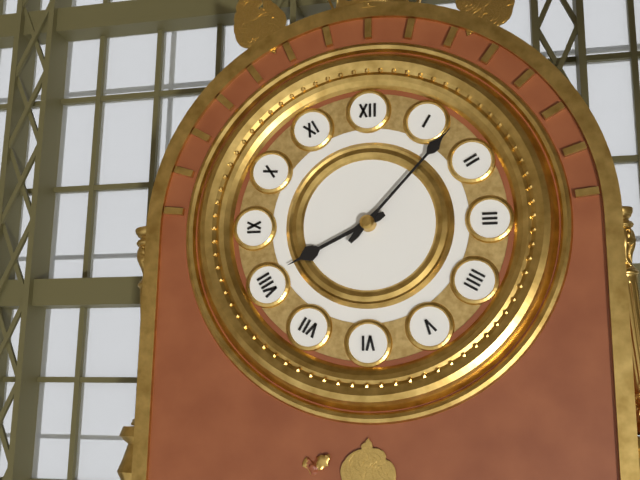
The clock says 8:07
